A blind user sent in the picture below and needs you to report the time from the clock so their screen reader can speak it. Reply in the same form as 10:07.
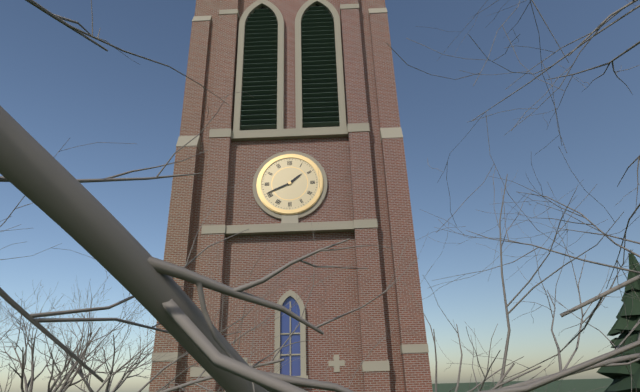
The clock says 1:41
